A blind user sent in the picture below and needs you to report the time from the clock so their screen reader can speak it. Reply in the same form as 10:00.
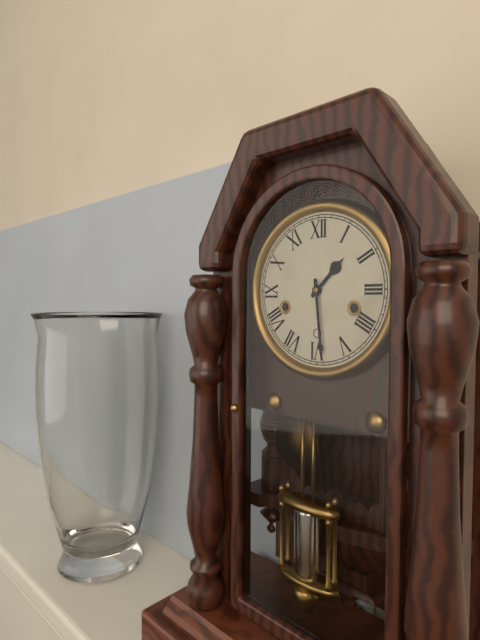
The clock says 1:29
